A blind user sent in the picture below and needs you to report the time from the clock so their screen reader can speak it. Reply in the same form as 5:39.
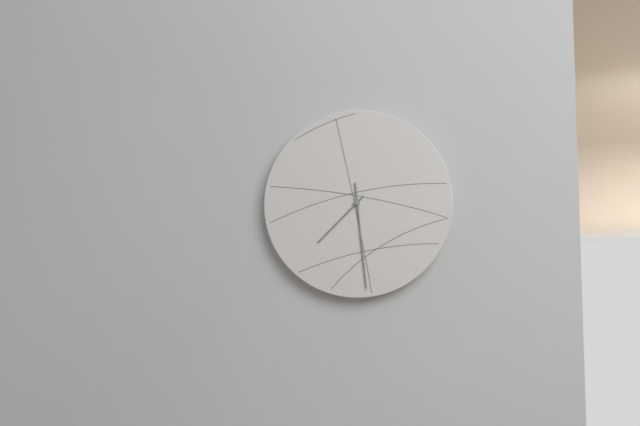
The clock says 7:29
